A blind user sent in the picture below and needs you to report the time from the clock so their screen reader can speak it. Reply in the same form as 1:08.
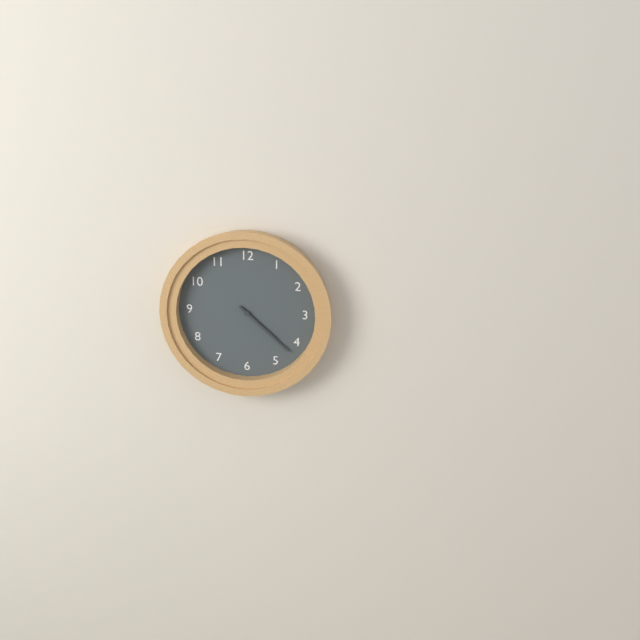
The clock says 4:22
